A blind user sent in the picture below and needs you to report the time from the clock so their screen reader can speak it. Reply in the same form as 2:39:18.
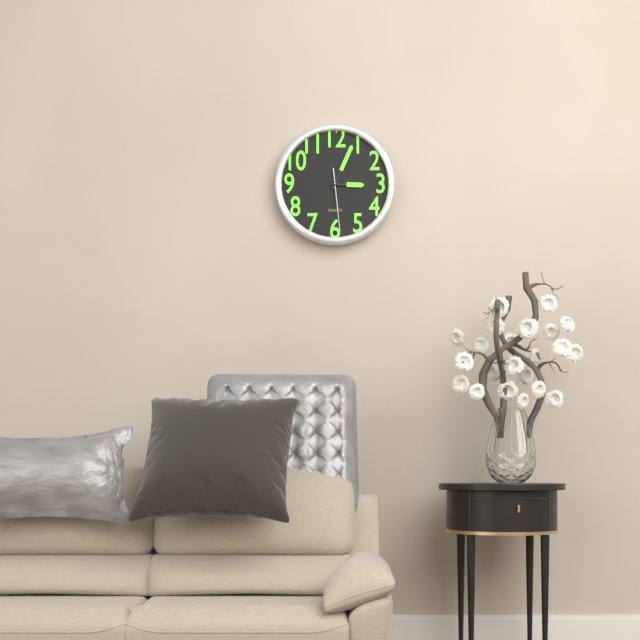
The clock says 3:04:29
